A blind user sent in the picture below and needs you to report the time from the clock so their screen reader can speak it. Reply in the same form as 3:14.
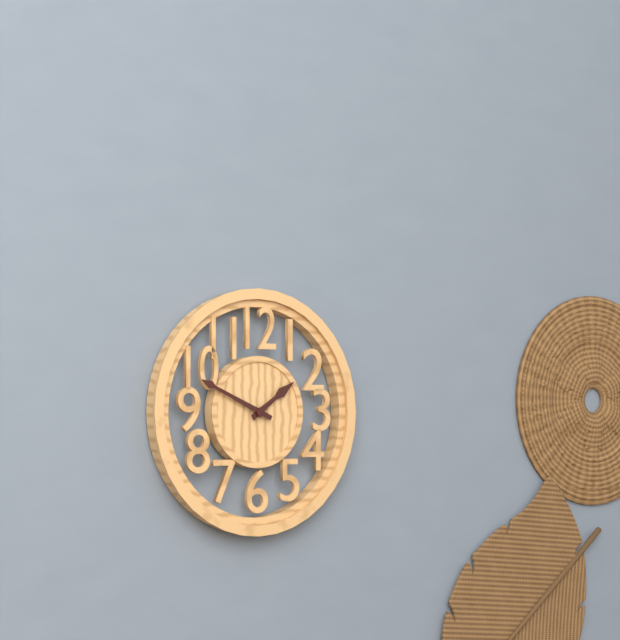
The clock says 1:49
